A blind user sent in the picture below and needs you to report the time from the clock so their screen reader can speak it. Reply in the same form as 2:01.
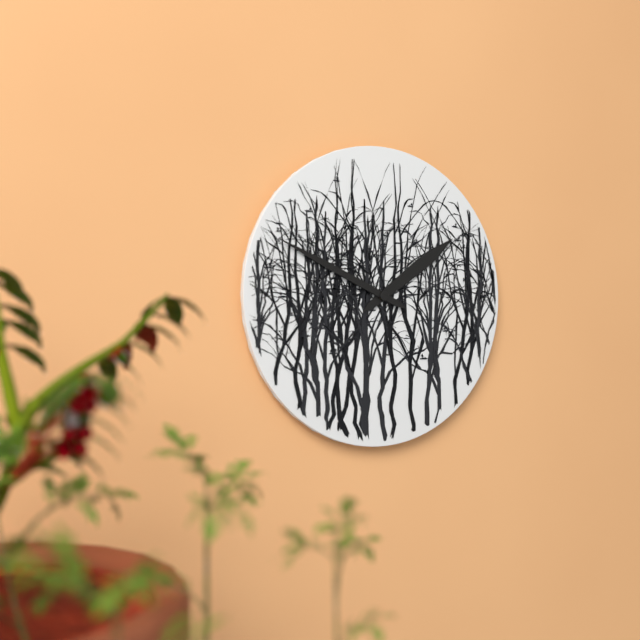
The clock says 1:49
